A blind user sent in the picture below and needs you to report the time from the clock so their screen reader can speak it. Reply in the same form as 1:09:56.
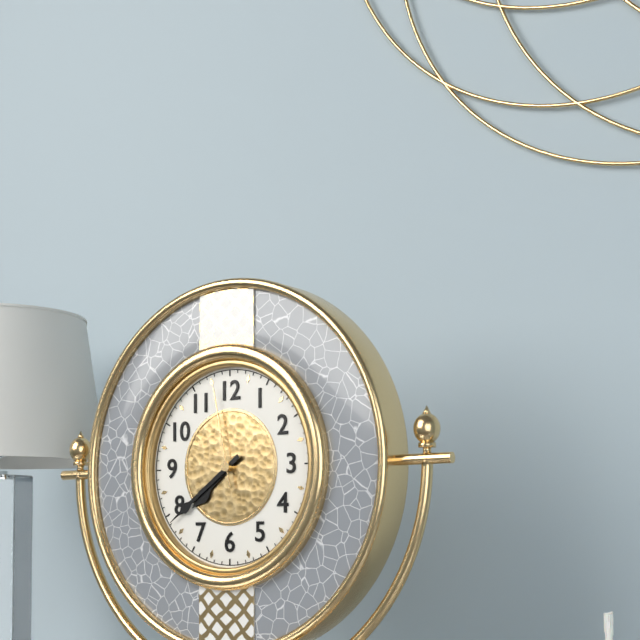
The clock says 7:39:58
